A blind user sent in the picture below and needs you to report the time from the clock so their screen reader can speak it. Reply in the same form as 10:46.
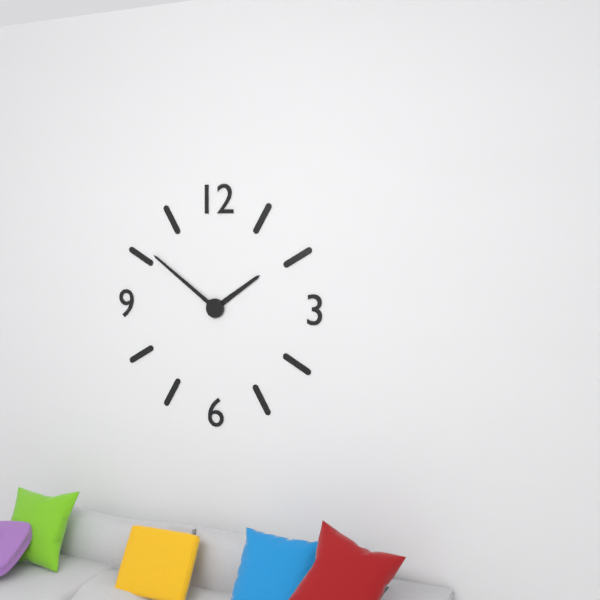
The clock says 1:51
